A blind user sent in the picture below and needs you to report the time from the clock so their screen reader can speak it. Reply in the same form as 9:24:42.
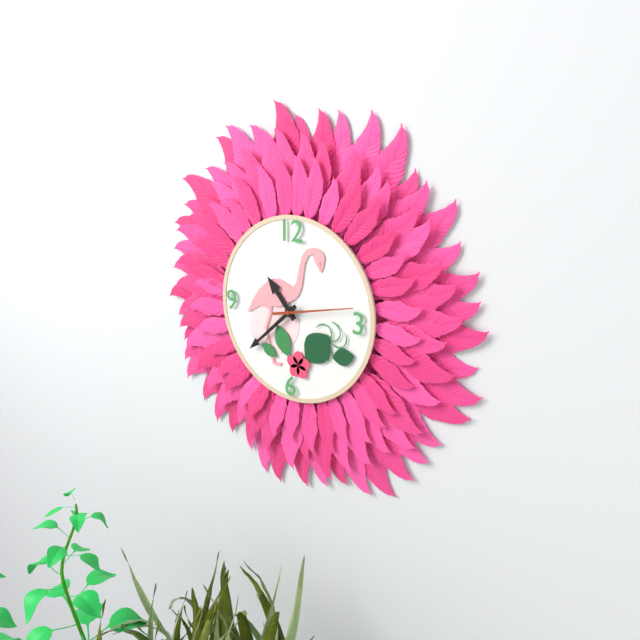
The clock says 10:38:13
